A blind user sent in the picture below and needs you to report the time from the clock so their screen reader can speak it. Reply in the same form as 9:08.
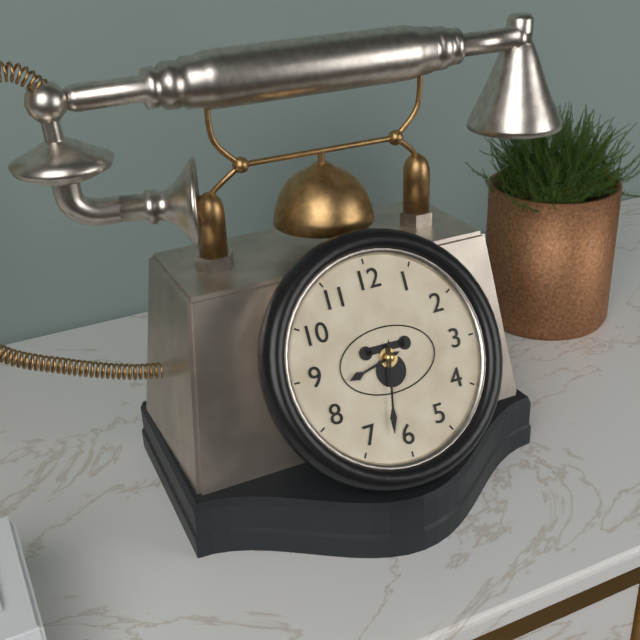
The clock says 8:32
